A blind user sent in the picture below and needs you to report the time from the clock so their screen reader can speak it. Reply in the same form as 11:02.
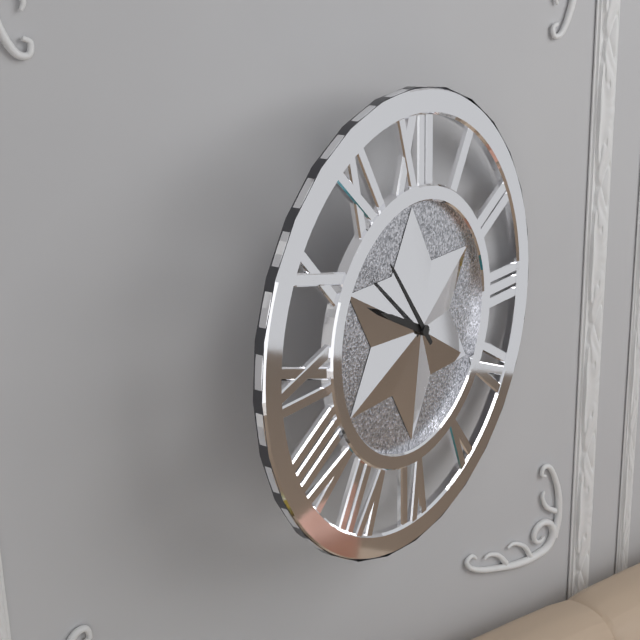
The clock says 9:54
